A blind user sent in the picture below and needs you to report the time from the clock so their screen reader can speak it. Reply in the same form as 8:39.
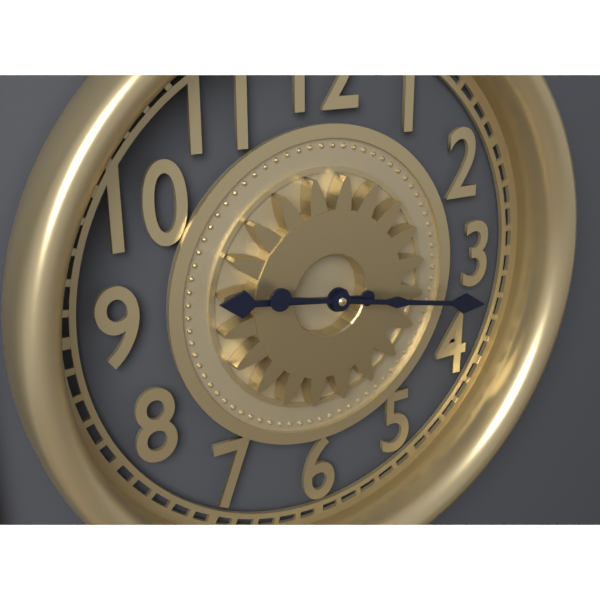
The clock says 9:17
